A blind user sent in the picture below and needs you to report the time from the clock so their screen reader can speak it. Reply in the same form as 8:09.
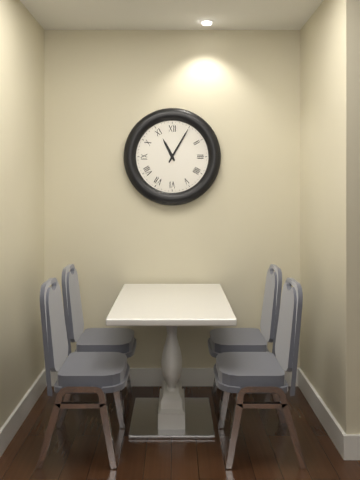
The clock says 11:05
